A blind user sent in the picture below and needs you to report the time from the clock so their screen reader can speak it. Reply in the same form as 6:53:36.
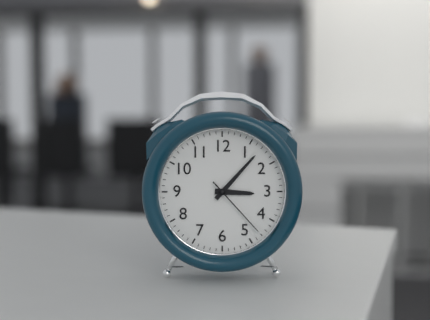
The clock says 3:07:23
